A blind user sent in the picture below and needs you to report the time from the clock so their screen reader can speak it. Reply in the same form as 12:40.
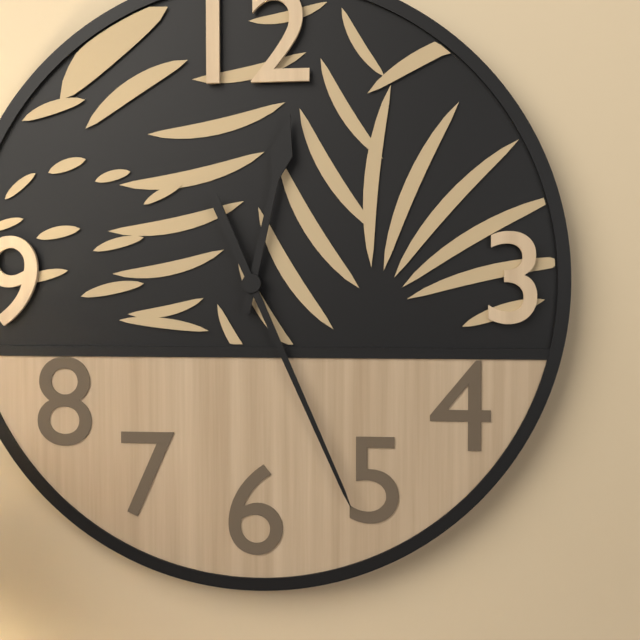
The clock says 12:26
